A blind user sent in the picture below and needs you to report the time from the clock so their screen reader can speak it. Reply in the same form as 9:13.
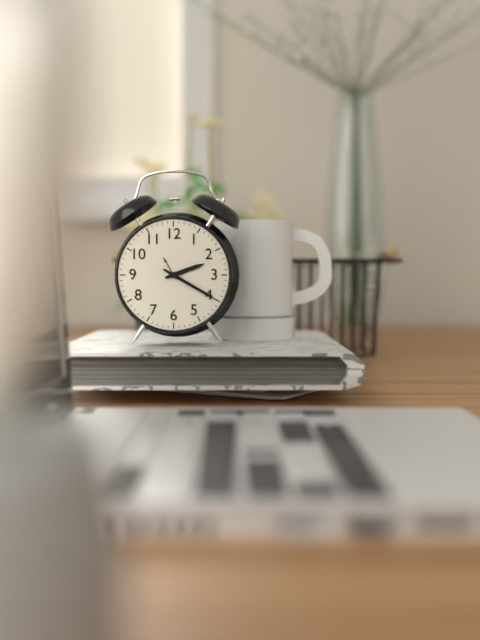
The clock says 2:20
